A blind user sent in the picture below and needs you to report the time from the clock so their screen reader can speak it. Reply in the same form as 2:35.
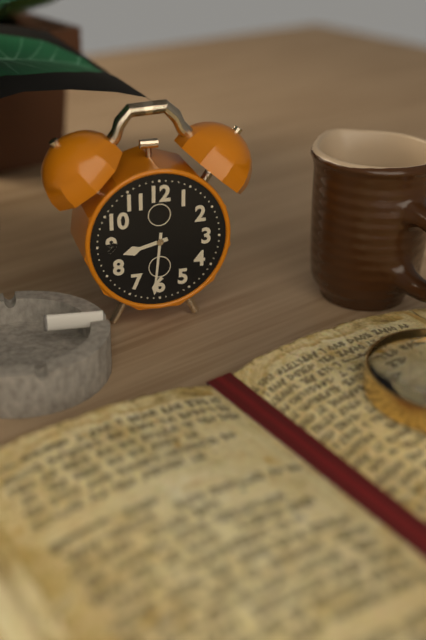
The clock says 8:31
